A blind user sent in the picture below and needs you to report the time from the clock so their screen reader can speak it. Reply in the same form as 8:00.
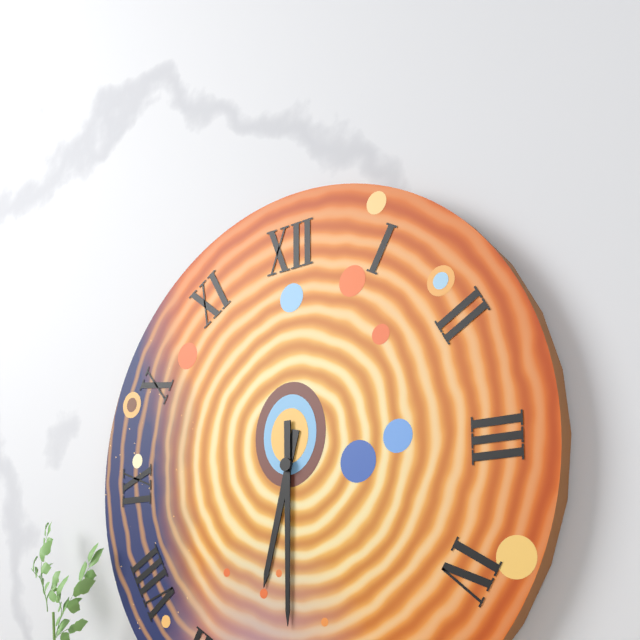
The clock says 6:30
